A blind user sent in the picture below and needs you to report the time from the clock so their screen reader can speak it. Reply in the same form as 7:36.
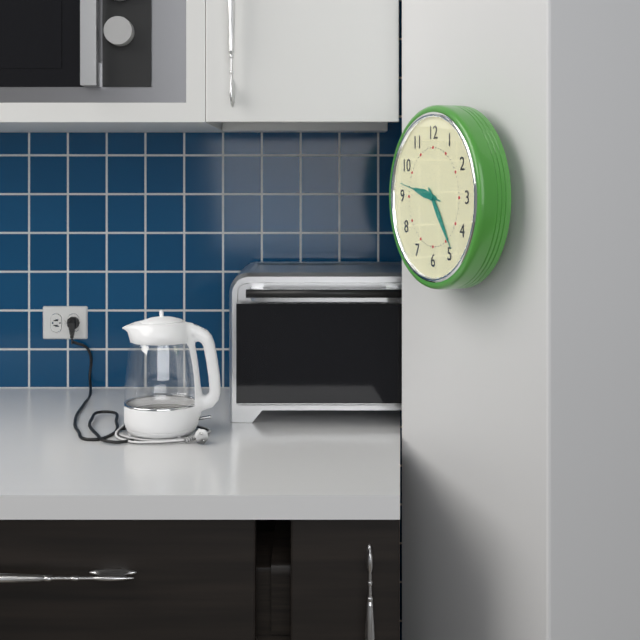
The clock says 9:24
